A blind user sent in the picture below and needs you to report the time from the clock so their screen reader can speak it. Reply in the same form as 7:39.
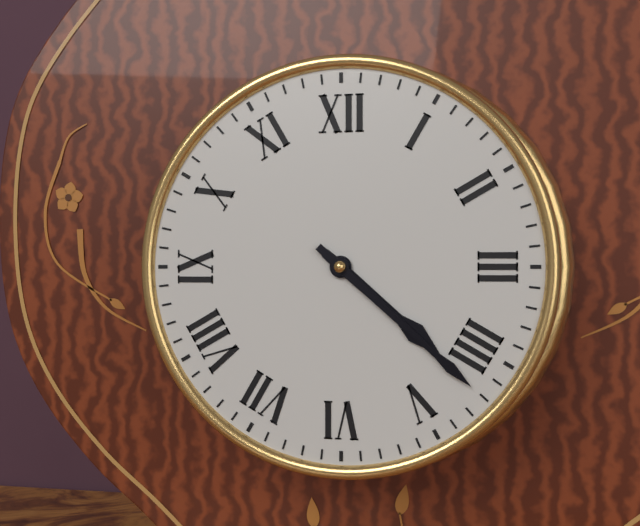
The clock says 4:22
